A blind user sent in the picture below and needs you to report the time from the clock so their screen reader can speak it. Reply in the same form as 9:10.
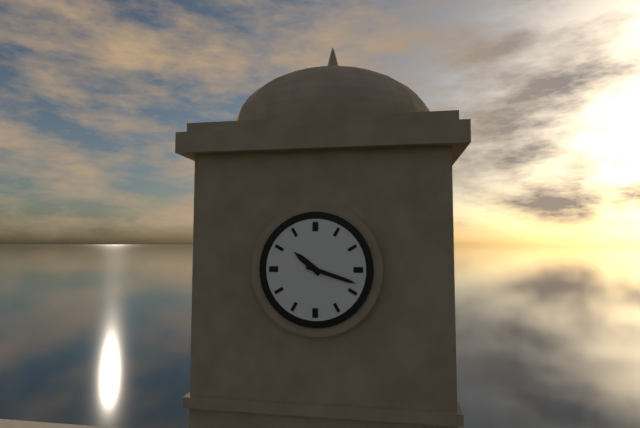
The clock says 10:18
